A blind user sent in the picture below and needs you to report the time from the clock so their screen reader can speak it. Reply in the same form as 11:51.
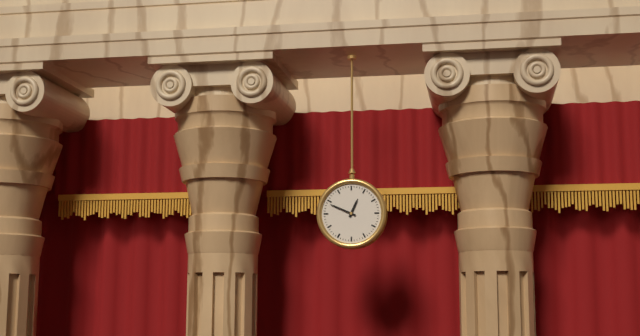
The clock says 12:49
